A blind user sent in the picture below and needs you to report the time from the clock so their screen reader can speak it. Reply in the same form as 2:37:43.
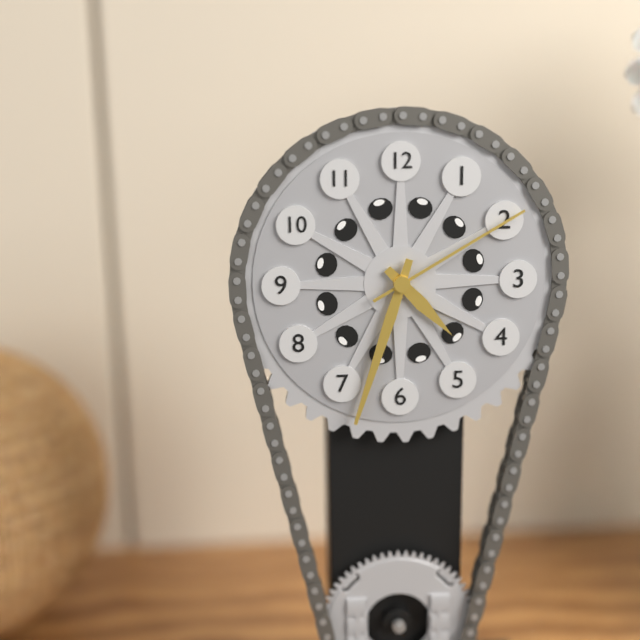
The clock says 4:33:10
